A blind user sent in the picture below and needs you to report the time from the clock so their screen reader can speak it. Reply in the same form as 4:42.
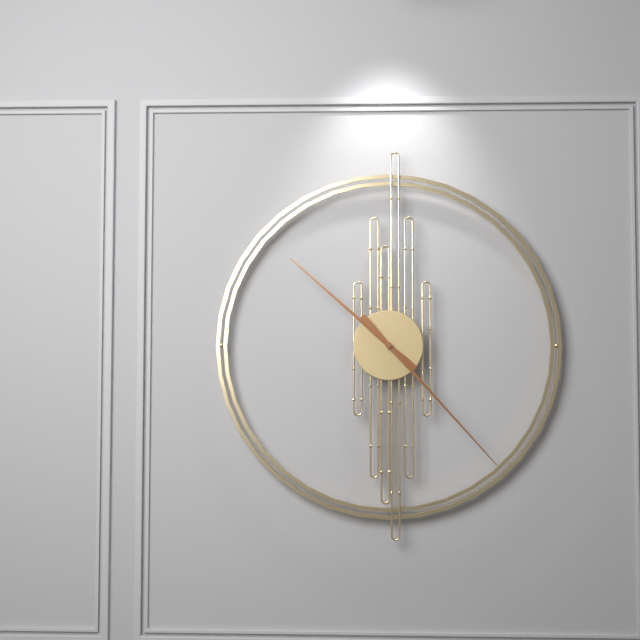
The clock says 10:23
